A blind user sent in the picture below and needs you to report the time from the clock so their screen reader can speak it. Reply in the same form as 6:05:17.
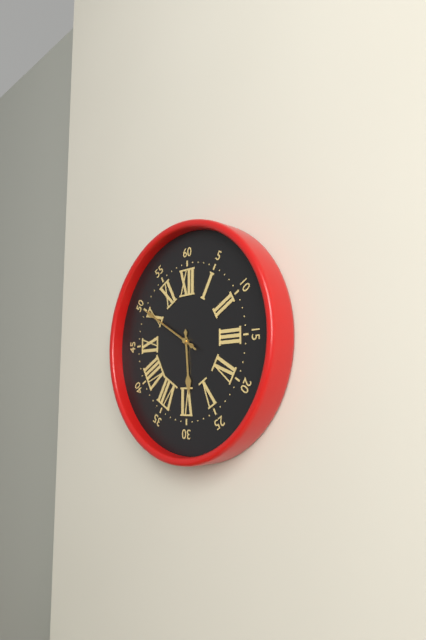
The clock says 5:50:50
